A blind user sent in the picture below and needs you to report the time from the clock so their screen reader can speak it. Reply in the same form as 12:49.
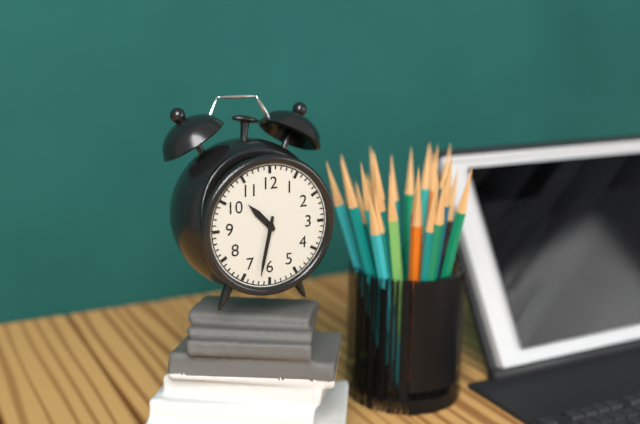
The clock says 10:32
